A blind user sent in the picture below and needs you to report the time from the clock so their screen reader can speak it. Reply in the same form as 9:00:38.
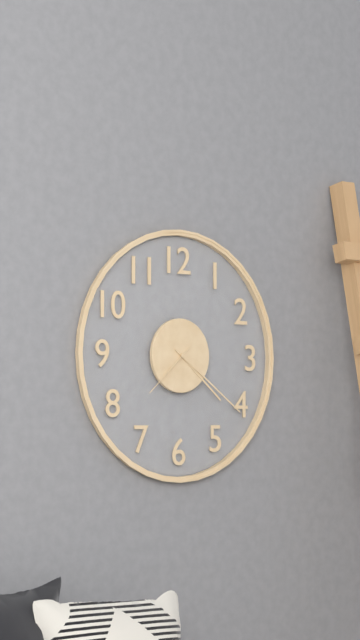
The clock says 4:21:38
